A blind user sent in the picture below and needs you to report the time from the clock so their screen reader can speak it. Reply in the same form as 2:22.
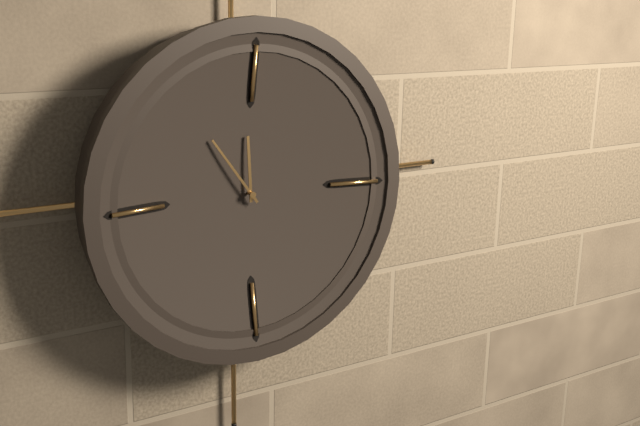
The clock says 11:54
